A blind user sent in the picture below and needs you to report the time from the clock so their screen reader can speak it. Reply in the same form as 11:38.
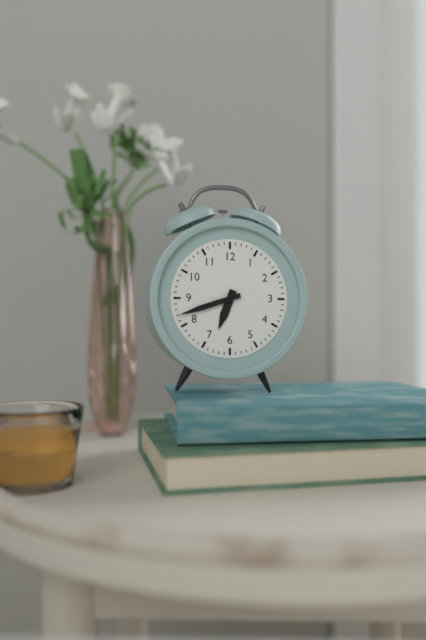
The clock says 6:42
